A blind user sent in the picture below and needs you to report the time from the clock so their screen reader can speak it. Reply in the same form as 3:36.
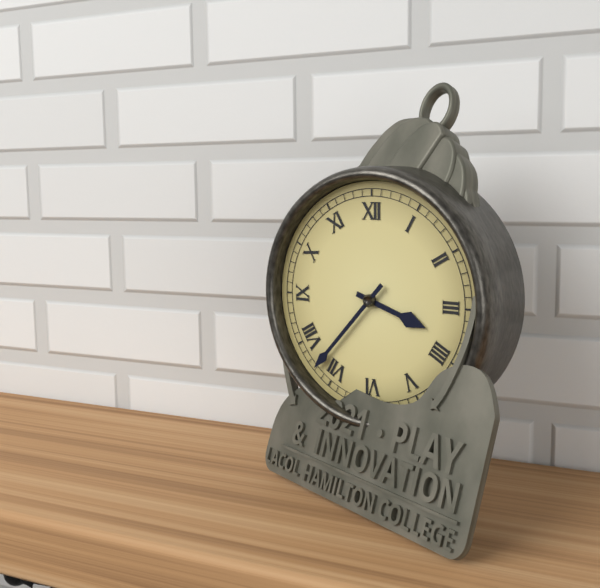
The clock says 3:37
